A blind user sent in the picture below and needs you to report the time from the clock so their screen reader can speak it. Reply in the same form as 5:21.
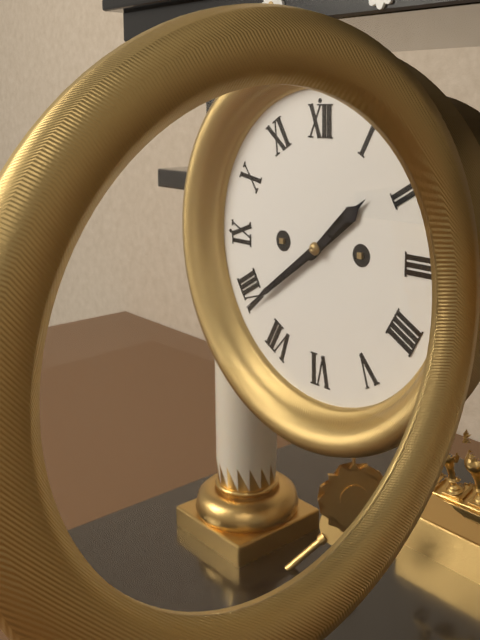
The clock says 1:39
